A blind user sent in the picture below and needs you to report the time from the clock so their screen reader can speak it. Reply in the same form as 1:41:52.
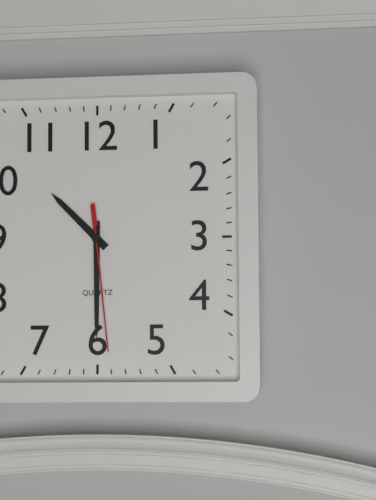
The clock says 10:30:29
